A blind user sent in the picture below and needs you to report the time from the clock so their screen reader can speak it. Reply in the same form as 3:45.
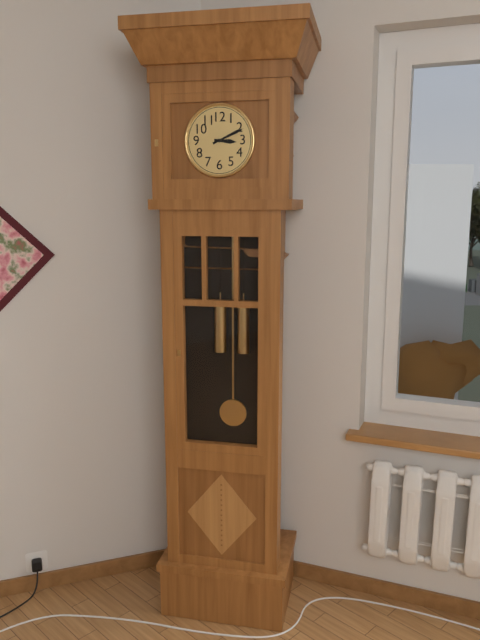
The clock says 3:11
